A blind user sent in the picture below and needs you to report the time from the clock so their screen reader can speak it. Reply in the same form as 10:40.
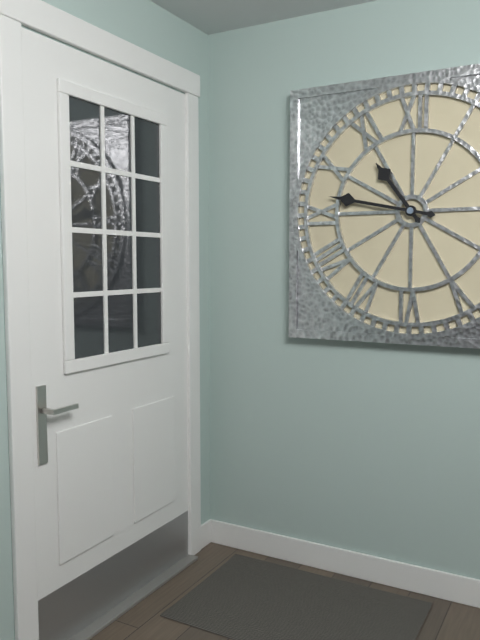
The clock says 10:47
